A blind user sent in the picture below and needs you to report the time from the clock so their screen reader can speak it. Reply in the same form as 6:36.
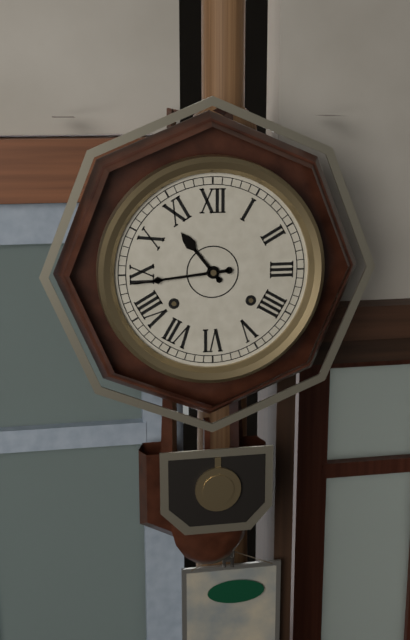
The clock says 10:44
